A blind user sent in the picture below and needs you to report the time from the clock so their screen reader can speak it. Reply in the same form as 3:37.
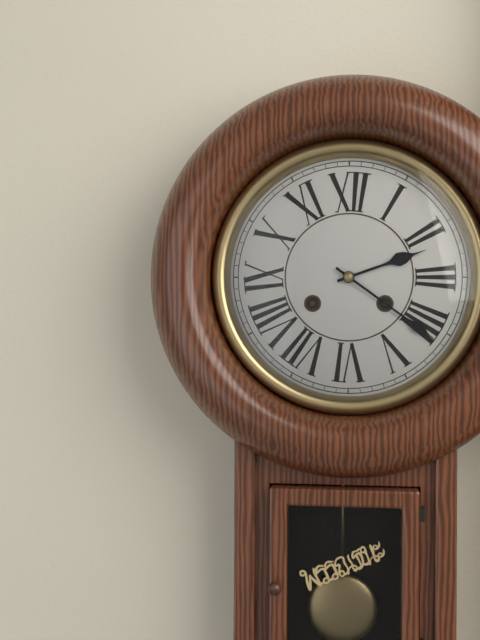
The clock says 2:21
